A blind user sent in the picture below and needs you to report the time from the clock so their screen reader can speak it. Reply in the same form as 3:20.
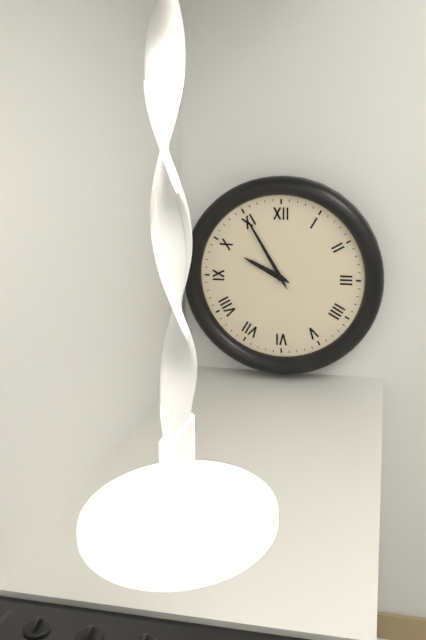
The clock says 9:55
